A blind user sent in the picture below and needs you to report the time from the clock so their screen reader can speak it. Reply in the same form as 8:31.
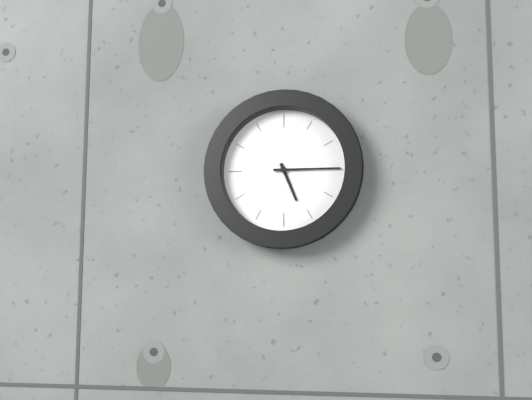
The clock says 5:15
